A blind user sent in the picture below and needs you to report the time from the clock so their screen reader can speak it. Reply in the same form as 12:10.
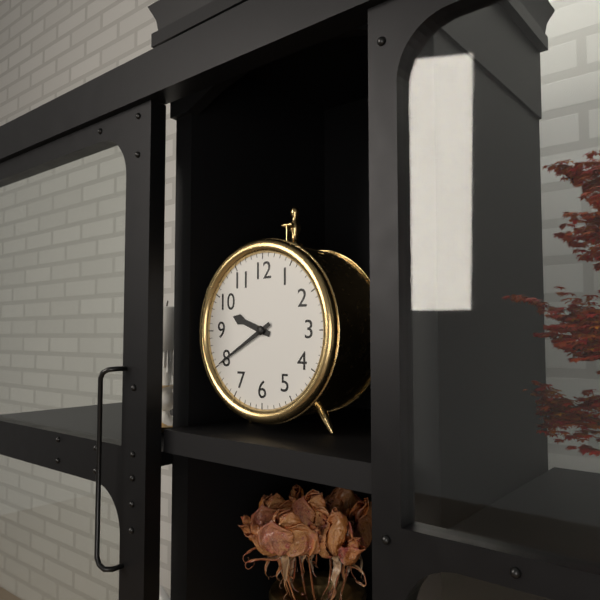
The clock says 9:40
